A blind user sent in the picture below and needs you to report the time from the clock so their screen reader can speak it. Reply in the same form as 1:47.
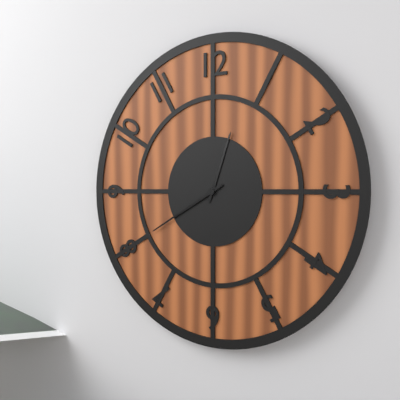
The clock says 12:40
